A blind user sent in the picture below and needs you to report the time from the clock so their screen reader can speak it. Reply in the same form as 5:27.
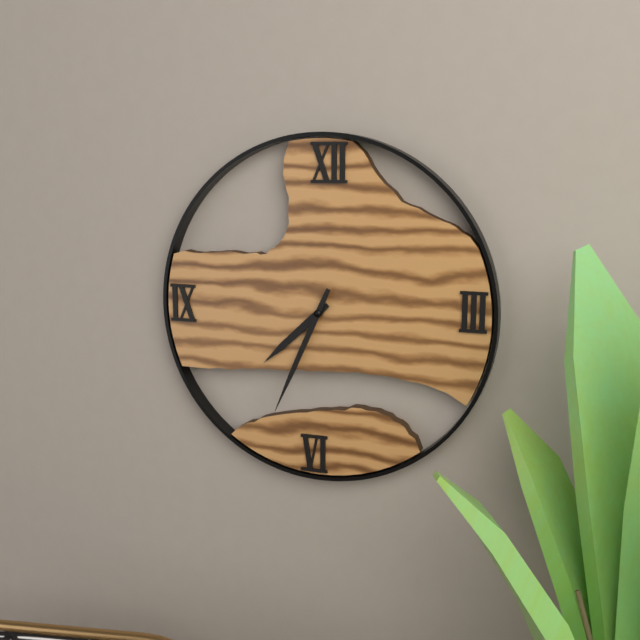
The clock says 7:34
